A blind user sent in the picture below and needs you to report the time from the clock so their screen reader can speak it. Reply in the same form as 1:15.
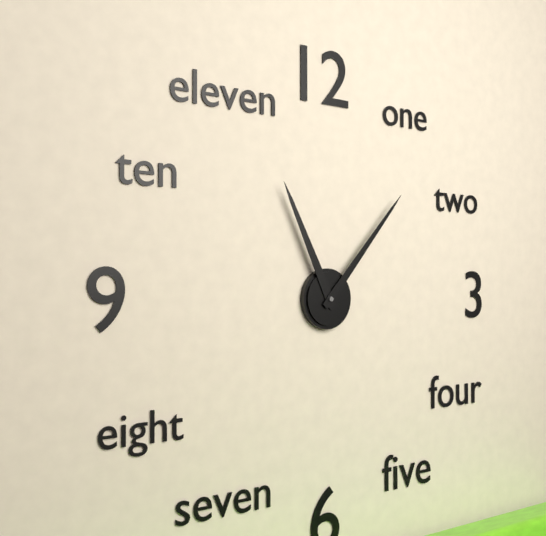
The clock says 11:07
